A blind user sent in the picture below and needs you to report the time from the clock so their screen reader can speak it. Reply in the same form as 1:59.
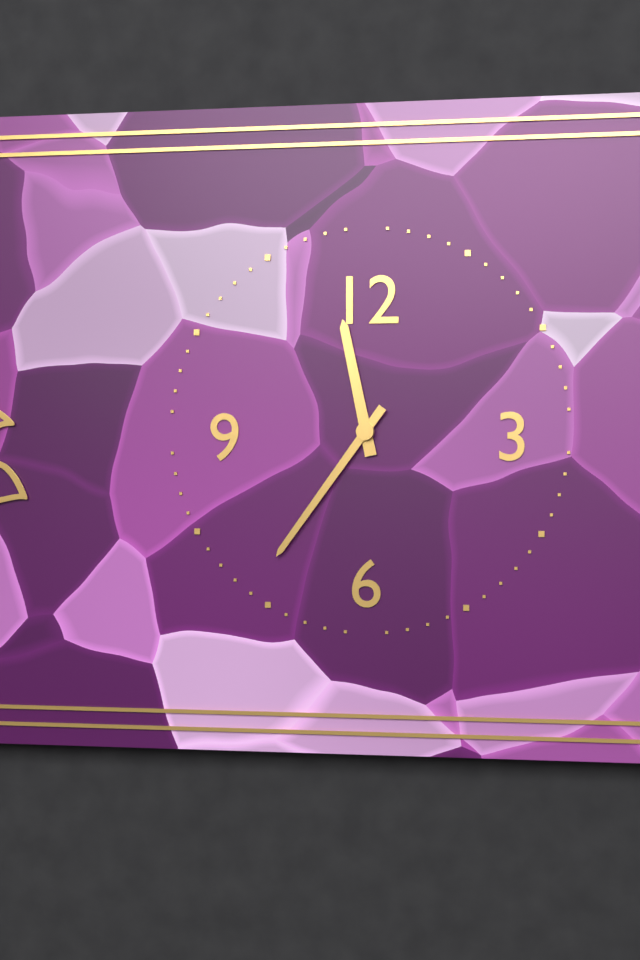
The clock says 11:36
